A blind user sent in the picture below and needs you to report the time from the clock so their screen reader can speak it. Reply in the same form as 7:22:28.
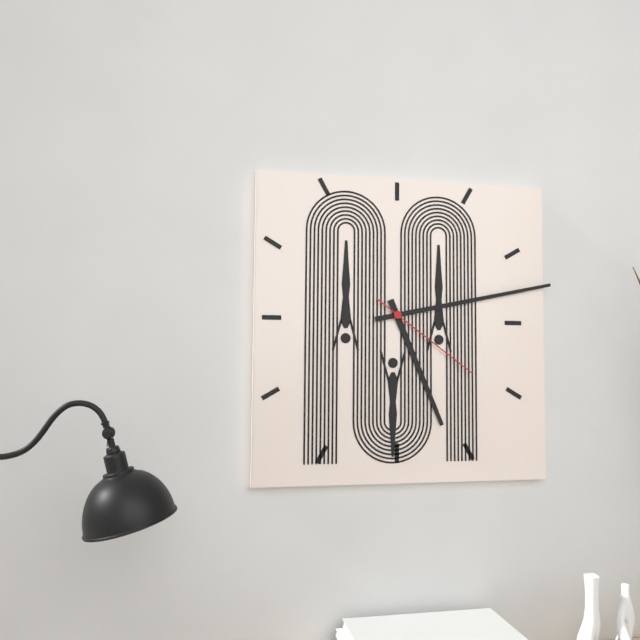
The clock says 5:13:21
